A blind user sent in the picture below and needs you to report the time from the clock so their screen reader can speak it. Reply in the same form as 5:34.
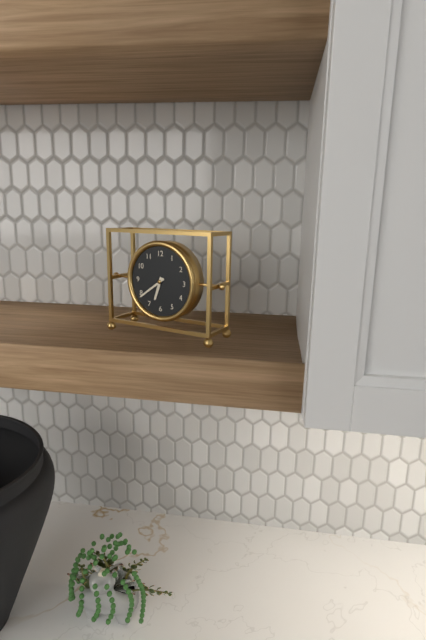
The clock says 6:39
